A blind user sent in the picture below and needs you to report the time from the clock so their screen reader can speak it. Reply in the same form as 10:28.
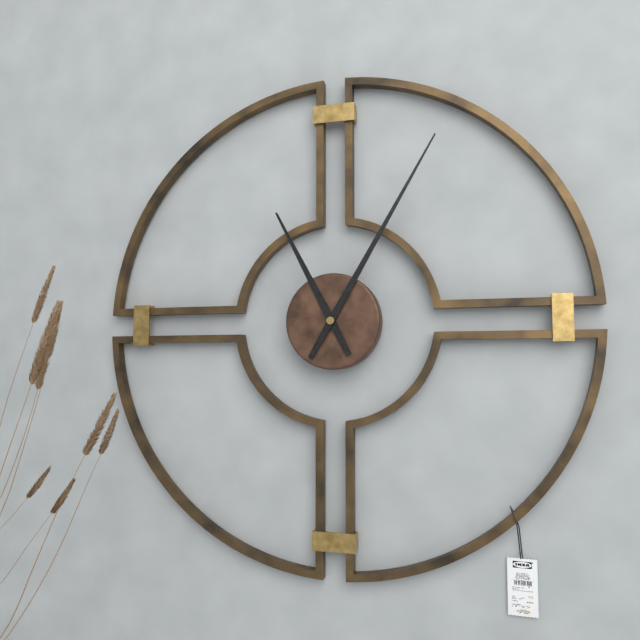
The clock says 11:05
